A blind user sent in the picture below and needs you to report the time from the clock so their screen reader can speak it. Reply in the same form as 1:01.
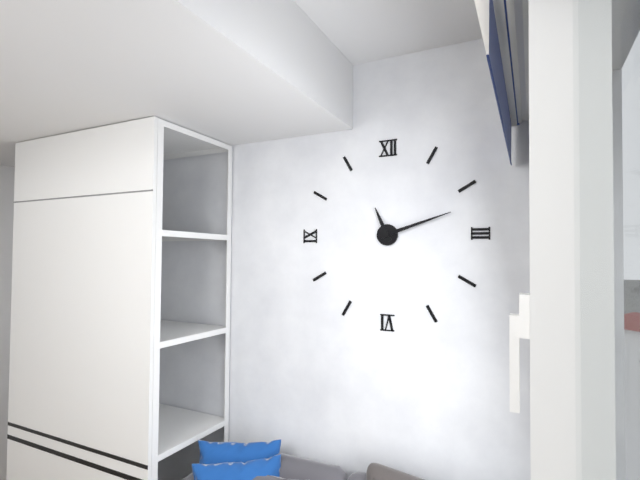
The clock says 11:12
